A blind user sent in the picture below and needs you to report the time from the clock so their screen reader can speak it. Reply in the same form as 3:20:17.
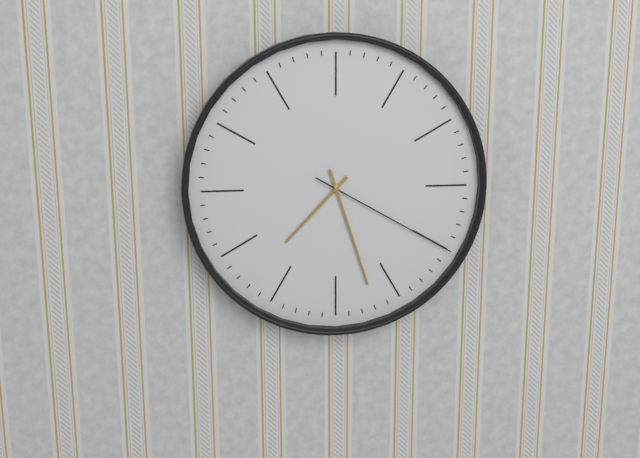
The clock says 7:27:20
